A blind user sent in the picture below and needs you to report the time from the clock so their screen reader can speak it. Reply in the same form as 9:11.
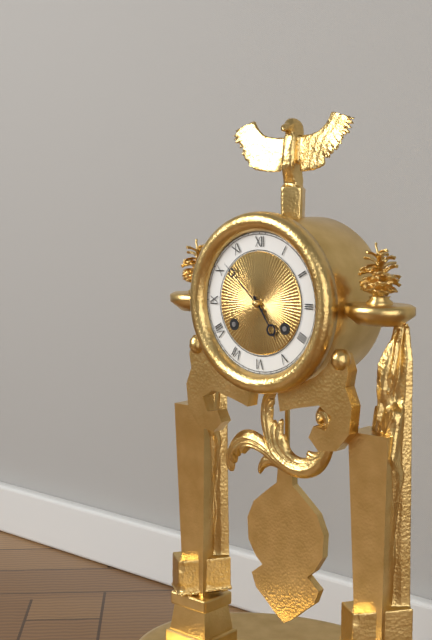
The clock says 4:52
